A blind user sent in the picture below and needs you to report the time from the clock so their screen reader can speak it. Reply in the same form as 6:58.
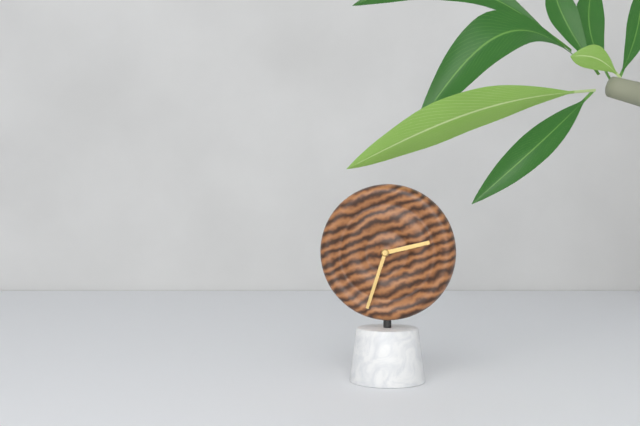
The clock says 2:33
